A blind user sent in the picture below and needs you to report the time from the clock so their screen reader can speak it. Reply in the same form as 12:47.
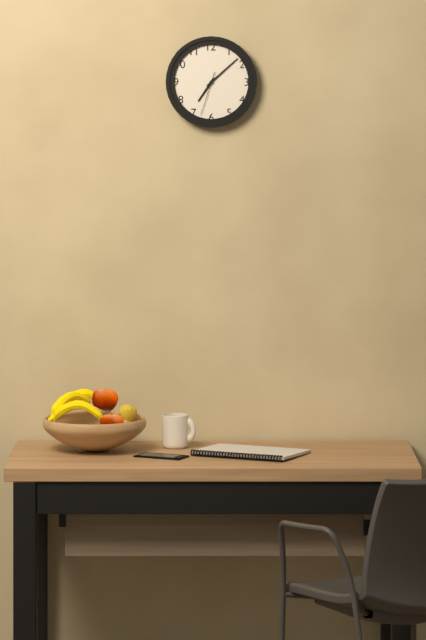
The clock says 7:08
